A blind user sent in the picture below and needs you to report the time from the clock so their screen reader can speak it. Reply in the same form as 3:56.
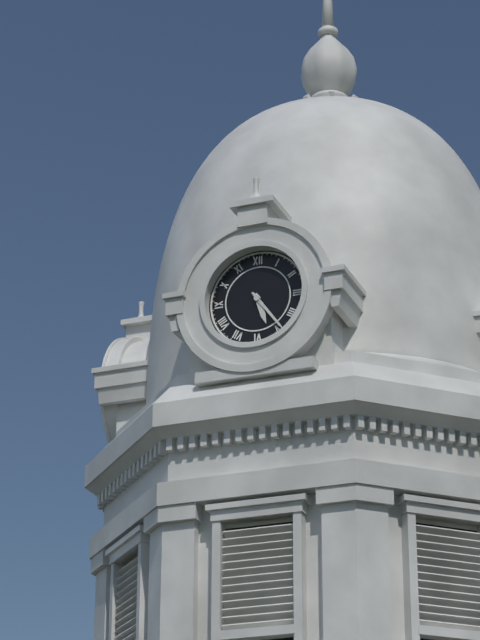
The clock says 5:24
